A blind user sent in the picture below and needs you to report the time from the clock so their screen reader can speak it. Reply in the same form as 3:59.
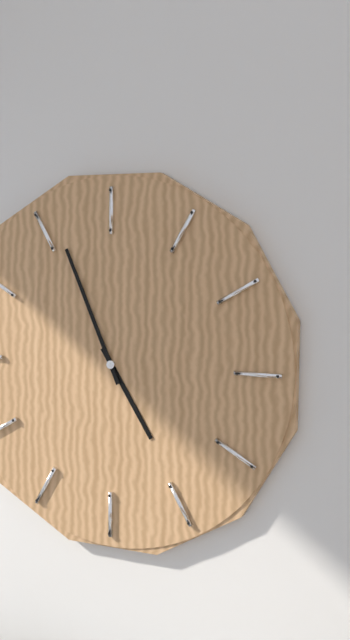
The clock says 4:56
